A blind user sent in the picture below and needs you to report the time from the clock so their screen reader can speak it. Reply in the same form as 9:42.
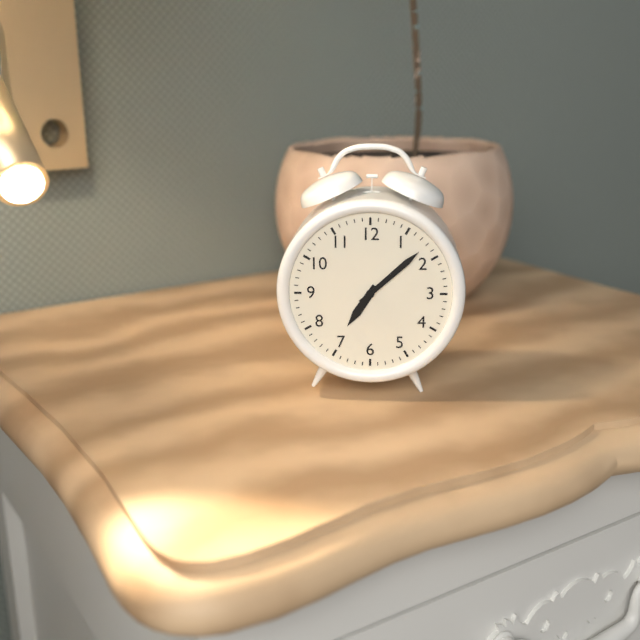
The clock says 7:08
